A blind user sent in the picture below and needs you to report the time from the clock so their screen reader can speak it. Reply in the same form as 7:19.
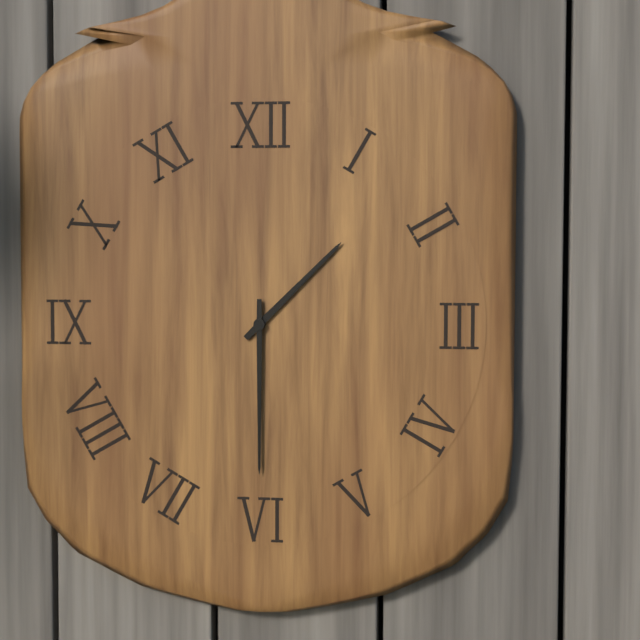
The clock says 1:30
